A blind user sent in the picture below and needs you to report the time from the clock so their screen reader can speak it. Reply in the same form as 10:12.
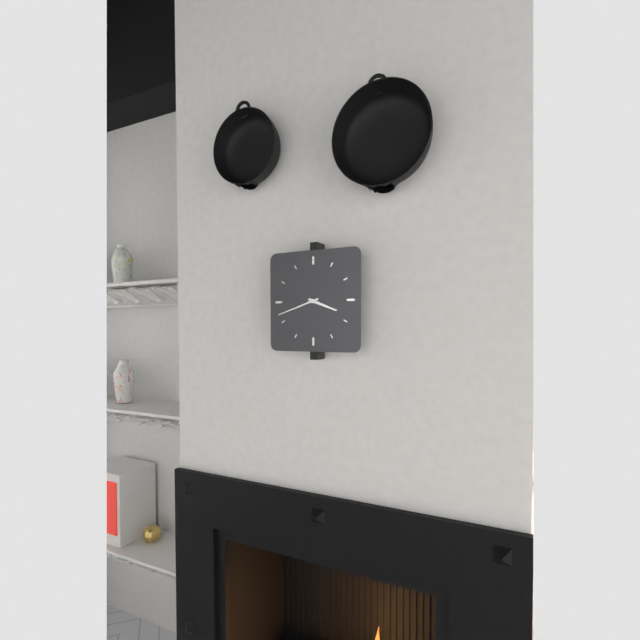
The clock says 3:42
